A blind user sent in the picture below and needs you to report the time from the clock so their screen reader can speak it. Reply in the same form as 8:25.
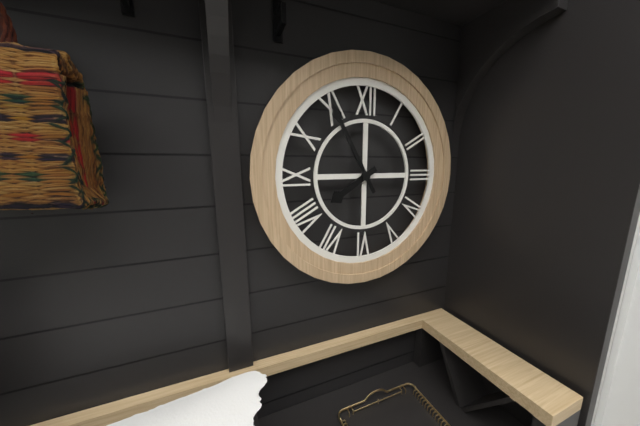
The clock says 7:55
